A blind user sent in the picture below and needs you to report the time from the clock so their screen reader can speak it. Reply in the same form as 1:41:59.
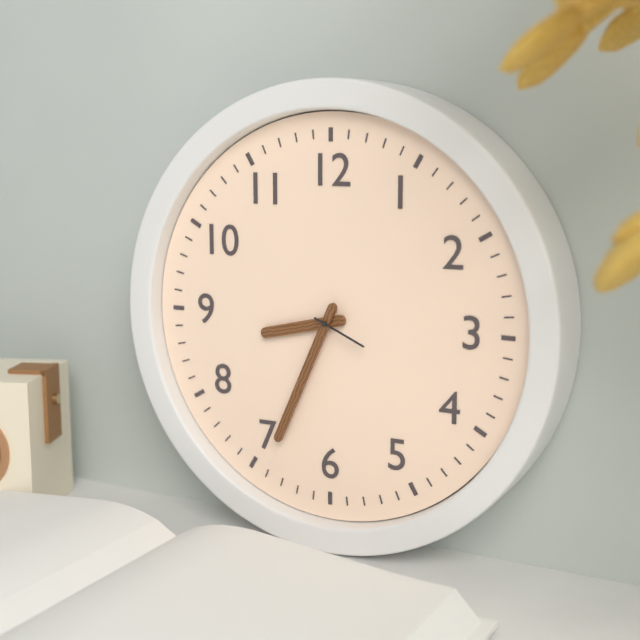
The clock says 8:34:19
